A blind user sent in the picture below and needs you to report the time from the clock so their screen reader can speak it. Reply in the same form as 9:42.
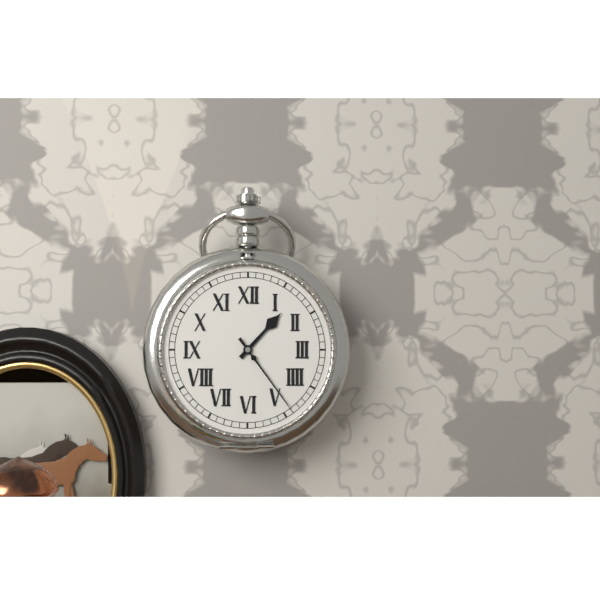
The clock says 1:24
